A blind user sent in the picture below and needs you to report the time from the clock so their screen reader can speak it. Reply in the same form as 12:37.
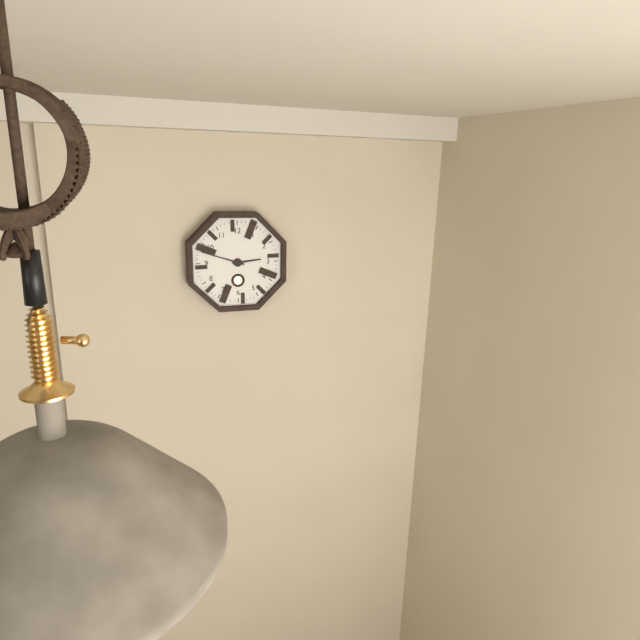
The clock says 2:48
